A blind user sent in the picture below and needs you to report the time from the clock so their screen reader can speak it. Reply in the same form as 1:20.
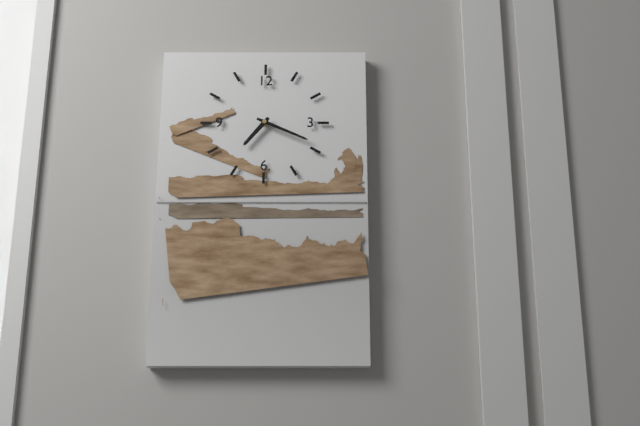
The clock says 7:19
